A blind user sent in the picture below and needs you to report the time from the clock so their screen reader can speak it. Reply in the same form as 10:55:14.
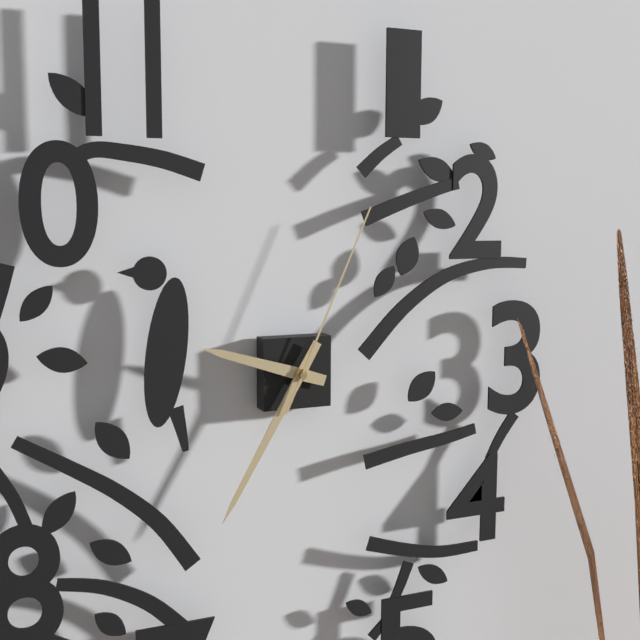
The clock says 9:35:04
